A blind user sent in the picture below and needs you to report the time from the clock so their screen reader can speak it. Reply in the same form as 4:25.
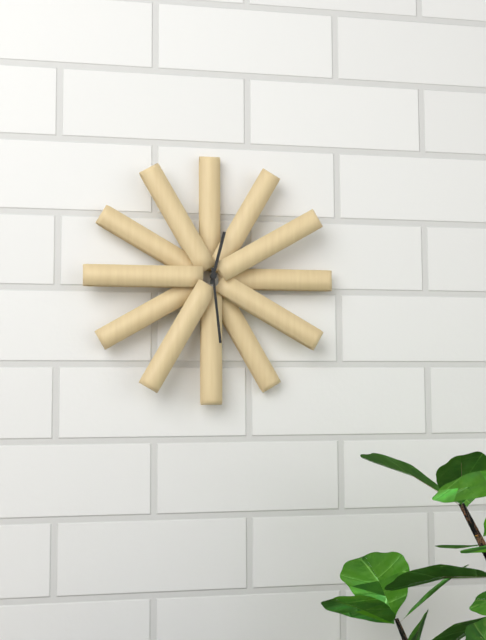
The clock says 12:29
